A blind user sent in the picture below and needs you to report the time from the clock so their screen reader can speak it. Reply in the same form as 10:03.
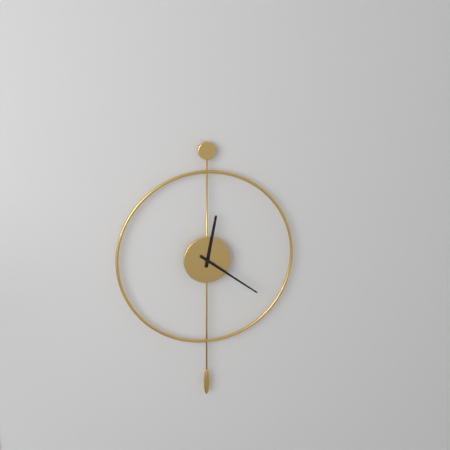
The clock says 12:21
